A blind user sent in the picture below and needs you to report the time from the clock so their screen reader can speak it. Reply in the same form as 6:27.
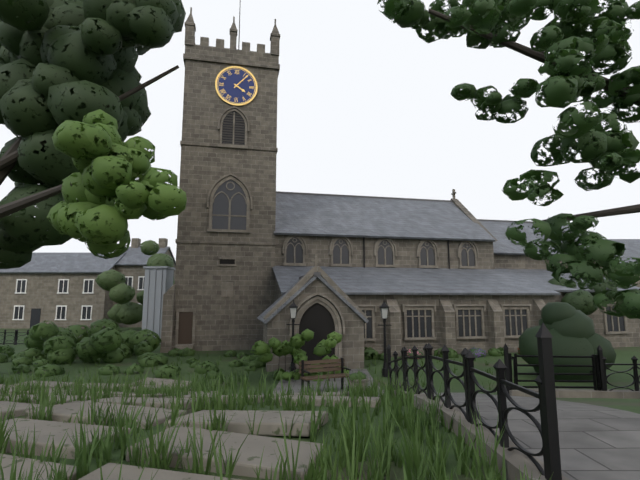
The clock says 4:07
